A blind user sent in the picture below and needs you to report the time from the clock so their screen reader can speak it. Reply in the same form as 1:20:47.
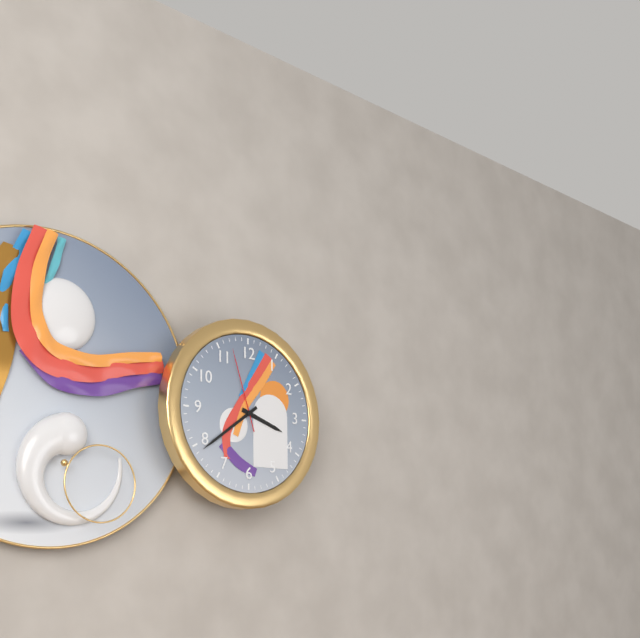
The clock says 3:39:57
